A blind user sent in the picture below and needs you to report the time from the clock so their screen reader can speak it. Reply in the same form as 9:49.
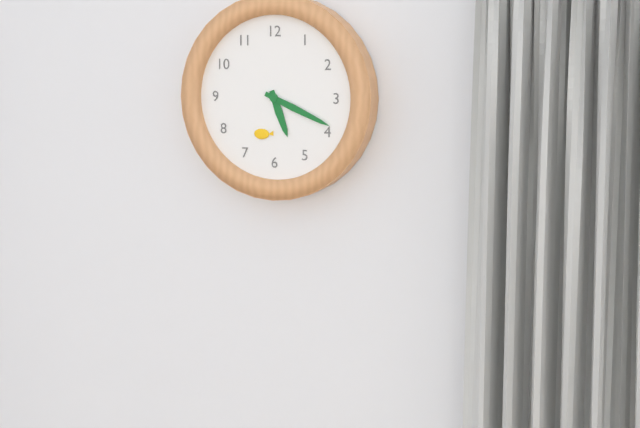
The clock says 5:19
